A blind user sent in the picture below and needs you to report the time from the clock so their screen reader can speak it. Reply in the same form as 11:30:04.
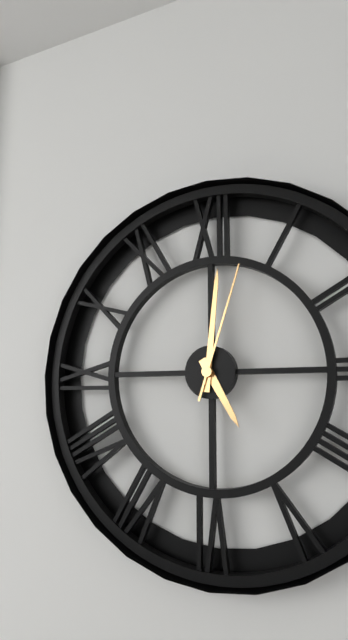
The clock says 5:01:03
